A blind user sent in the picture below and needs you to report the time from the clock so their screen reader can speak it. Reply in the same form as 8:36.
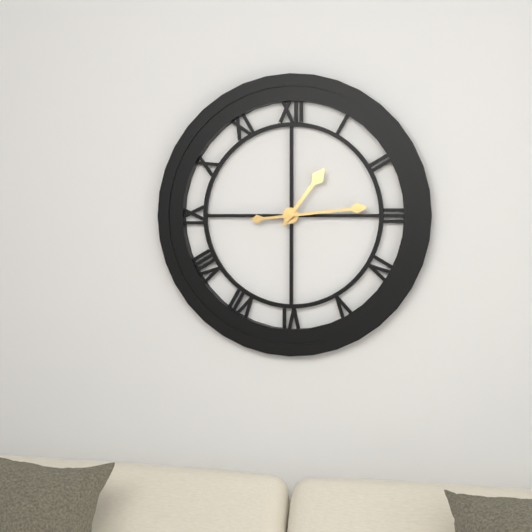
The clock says 1:14
